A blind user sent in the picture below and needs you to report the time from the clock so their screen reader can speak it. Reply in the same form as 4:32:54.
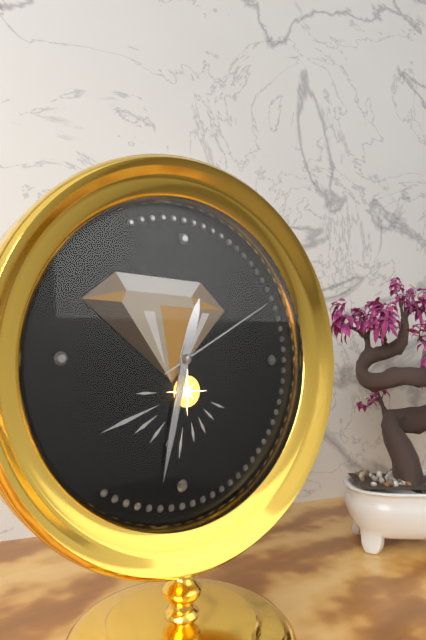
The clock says 12:32:10
